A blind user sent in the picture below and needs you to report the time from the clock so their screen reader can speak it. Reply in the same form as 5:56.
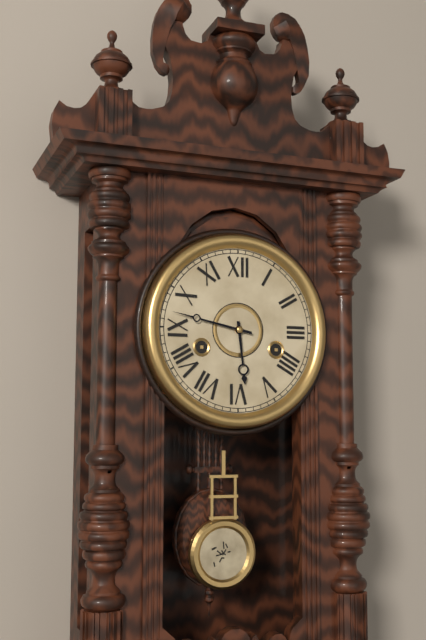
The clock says 5:47
